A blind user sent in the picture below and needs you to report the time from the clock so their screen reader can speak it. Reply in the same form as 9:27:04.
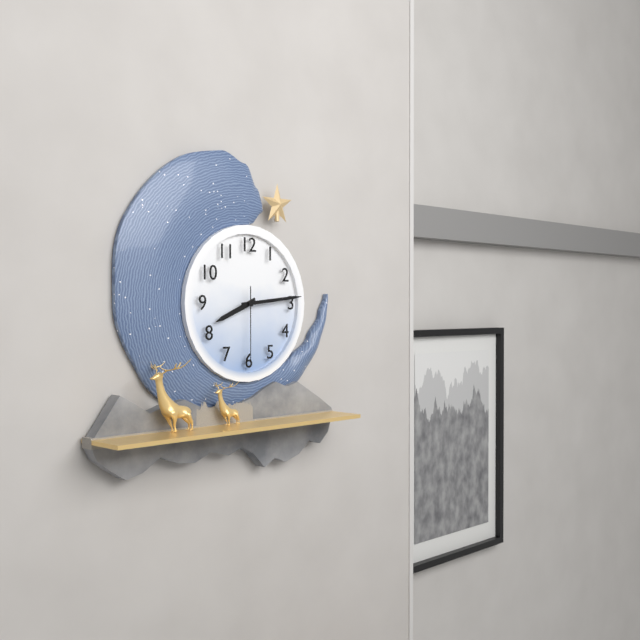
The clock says 8:14:30
